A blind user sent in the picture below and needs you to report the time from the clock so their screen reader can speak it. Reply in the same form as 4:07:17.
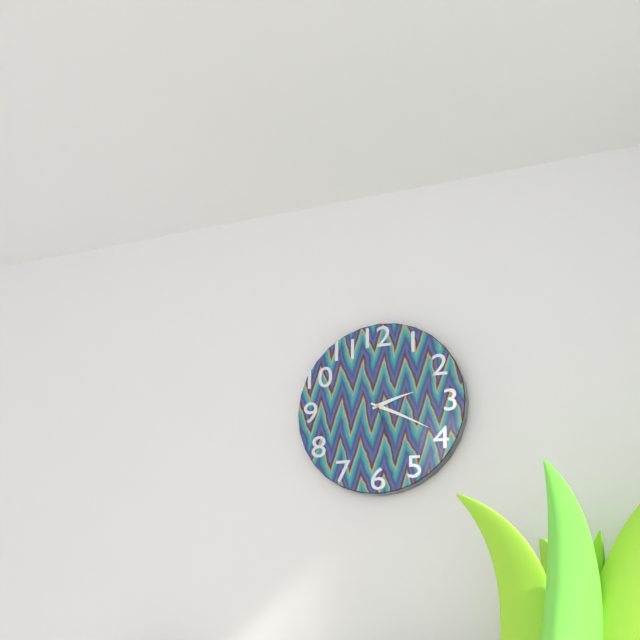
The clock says 2:19:27
